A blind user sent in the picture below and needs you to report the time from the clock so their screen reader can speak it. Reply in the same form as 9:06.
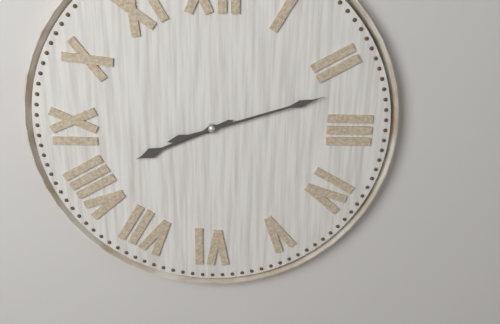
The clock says 8:12
